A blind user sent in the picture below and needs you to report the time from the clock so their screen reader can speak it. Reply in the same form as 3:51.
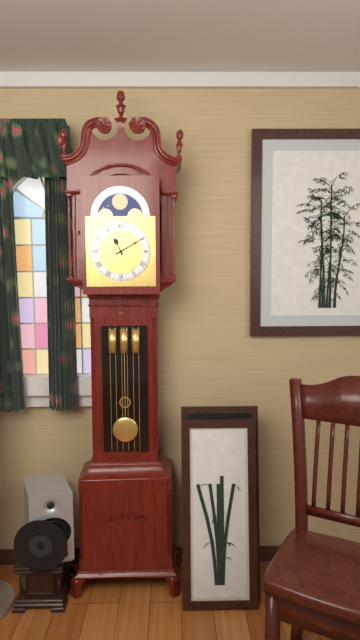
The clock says 11:10
